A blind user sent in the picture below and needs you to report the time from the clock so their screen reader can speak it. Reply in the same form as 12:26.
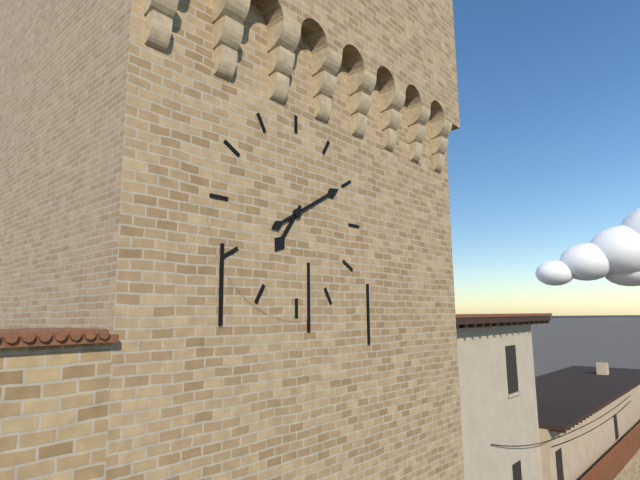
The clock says 7:10
